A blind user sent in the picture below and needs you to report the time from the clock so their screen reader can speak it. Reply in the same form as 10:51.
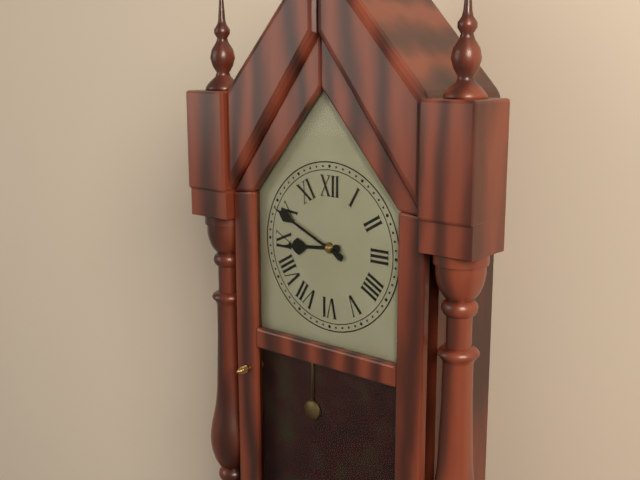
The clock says 8:49
